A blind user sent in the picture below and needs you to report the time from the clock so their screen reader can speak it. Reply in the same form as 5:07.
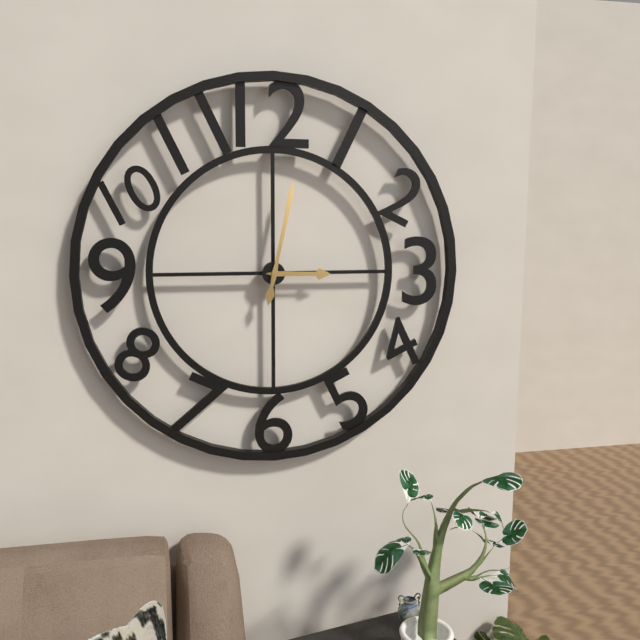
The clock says 3:02
